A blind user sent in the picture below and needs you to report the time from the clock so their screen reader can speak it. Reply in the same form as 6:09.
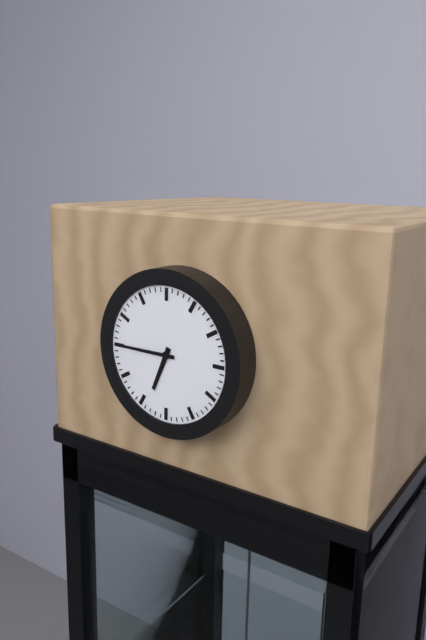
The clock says 6:45
